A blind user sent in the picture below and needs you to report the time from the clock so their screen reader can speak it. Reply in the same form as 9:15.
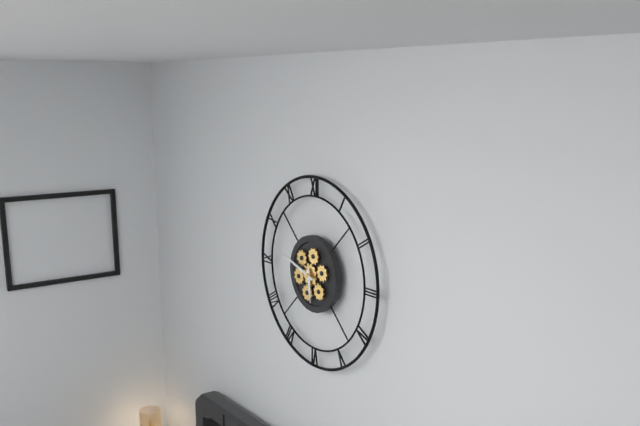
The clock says 5:48
